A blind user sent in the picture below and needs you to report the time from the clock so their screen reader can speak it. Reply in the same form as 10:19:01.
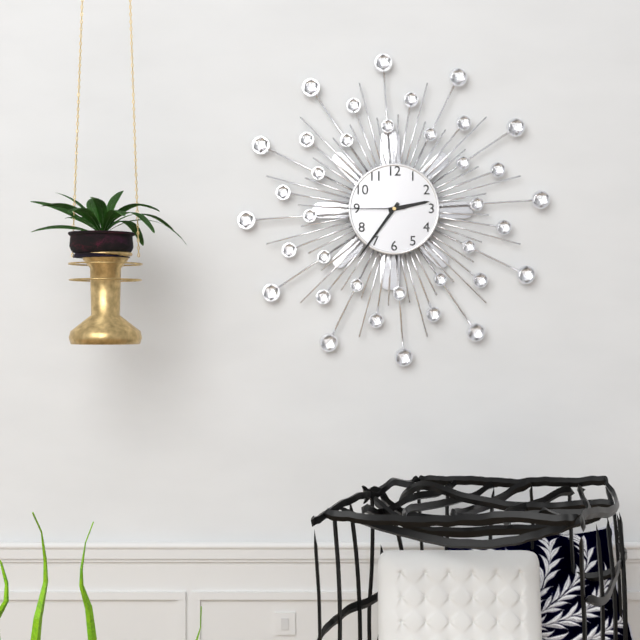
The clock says 2:36:45
